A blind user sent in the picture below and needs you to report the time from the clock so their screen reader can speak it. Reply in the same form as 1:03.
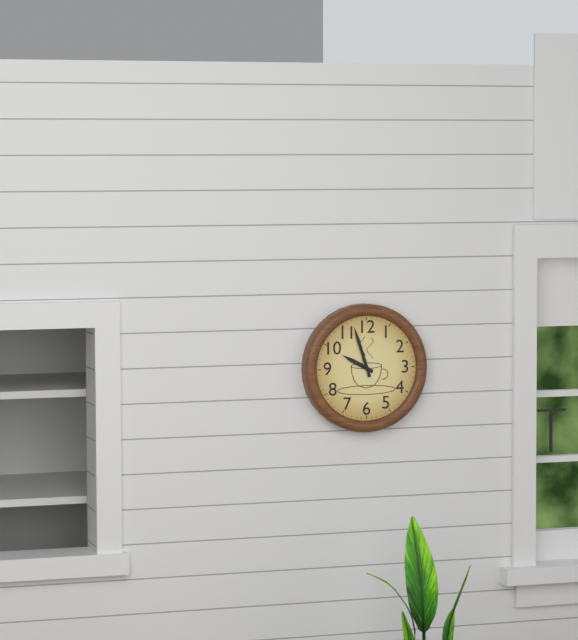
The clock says 9:57
